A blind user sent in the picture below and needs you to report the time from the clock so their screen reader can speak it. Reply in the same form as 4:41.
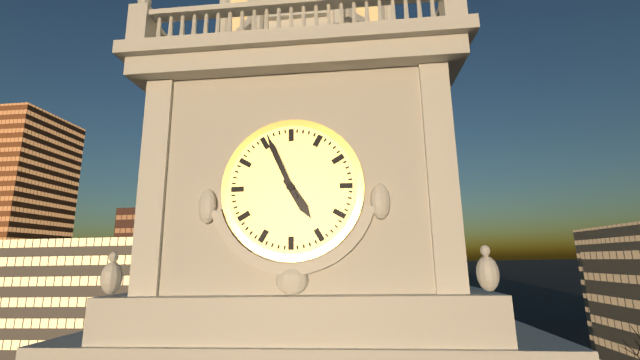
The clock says 4:56
